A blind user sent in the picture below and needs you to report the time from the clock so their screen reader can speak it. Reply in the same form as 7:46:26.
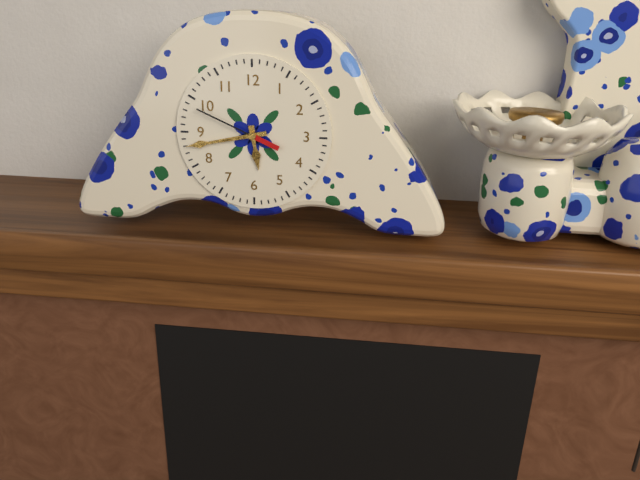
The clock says 5:43:49
